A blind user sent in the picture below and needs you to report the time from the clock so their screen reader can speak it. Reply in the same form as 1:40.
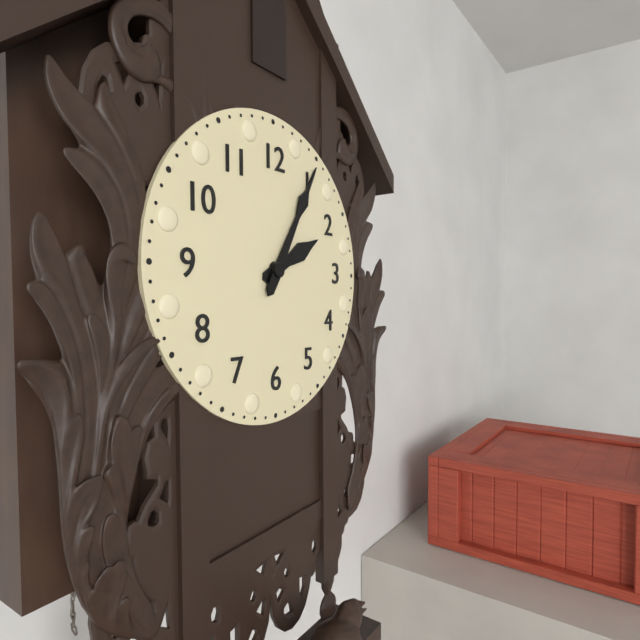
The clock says 2:05
